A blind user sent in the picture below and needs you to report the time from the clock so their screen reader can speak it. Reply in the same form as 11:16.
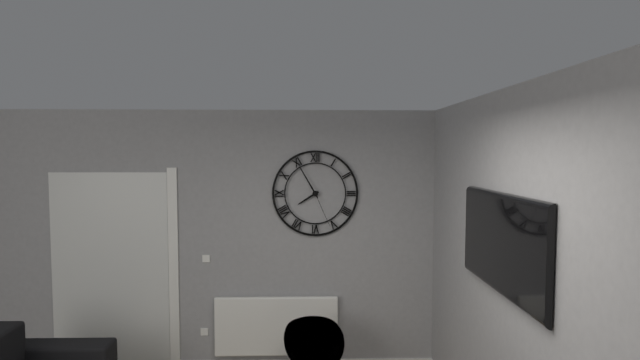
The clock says 7:55
